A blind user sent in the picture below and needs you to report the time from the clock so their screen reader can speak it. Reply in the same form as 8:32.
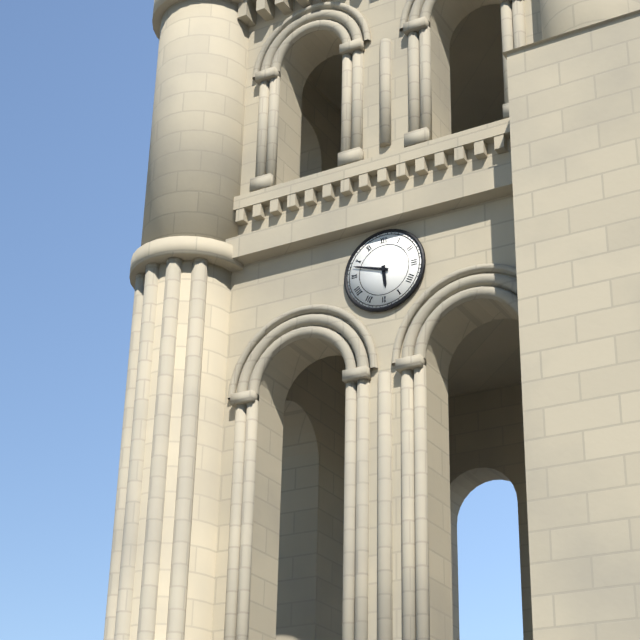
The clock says 5:48
